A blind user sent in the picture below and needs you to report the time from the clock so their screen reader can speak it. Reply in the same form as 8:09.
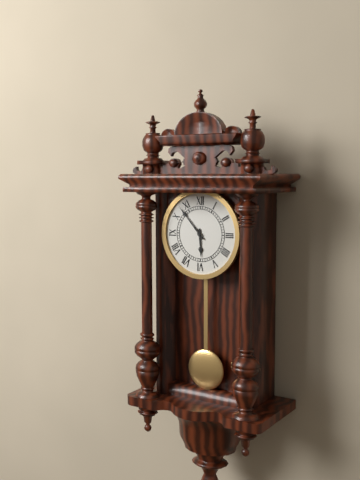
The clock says 5:53
